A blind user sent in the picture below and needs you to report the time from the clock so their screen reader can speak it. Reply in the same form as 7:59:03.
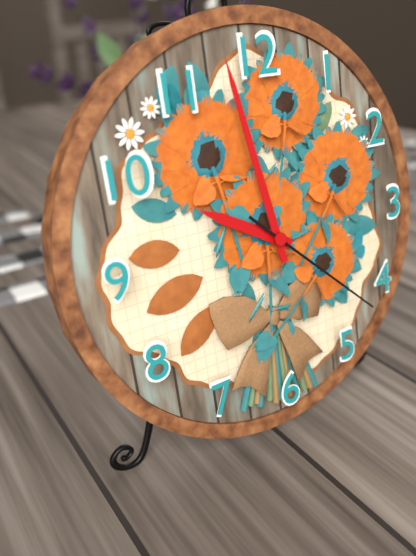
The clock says 9:58:22
